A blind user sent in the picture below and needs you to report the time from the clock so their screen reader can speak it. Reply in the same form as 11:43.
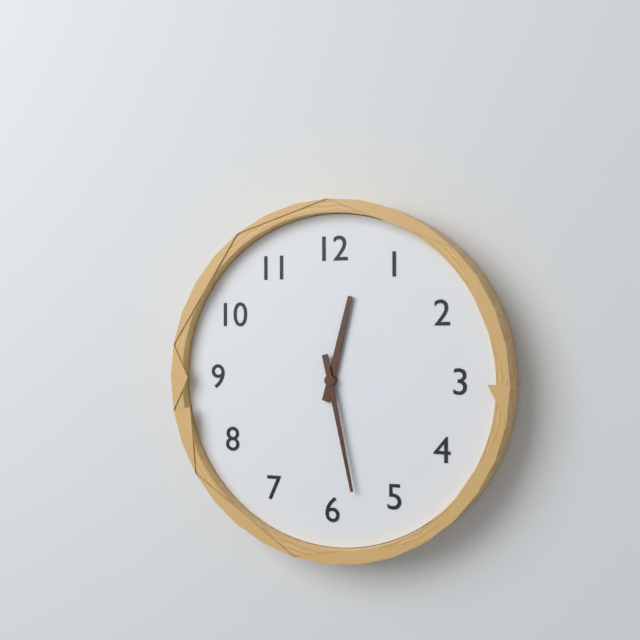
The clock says 12:28
